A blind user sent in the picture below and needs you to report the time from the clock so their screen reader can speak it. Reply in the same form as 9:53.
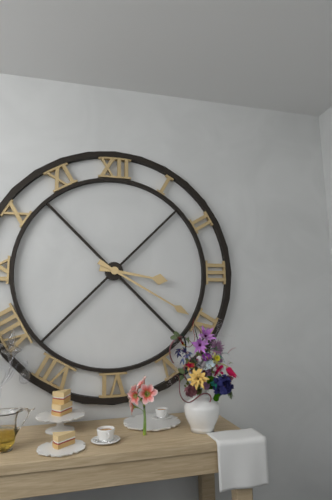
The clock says 3:20
